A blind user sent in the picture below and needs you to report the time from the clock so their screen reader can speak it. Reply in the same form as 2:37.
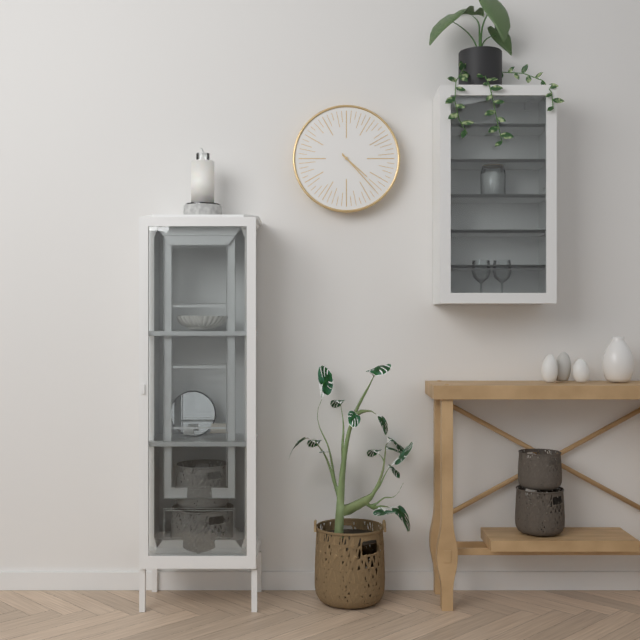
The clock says 4:23
